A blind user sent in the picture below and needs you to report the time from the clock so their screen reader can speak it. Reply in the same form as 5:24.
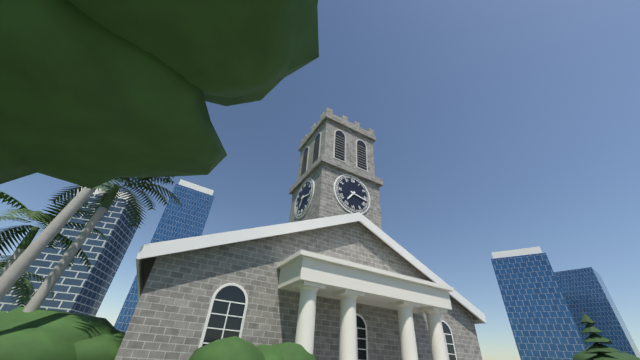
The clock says 7:17
